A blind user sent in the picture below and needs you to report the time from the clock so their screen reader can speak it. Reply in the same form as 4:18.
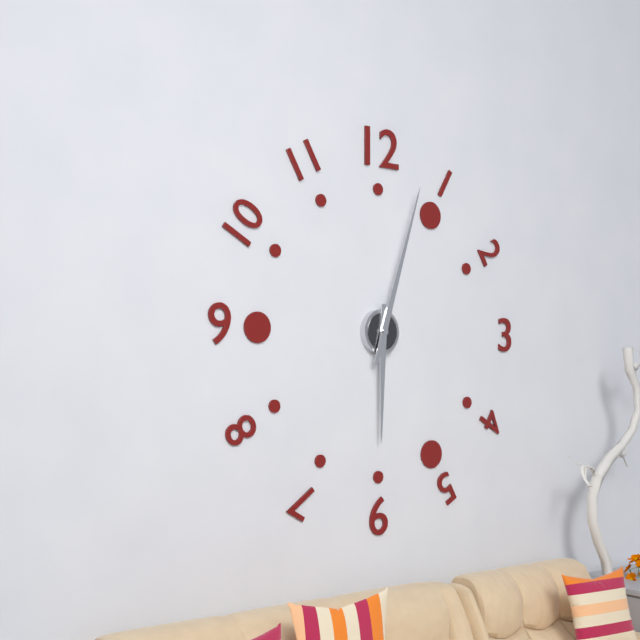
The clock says 6:03
